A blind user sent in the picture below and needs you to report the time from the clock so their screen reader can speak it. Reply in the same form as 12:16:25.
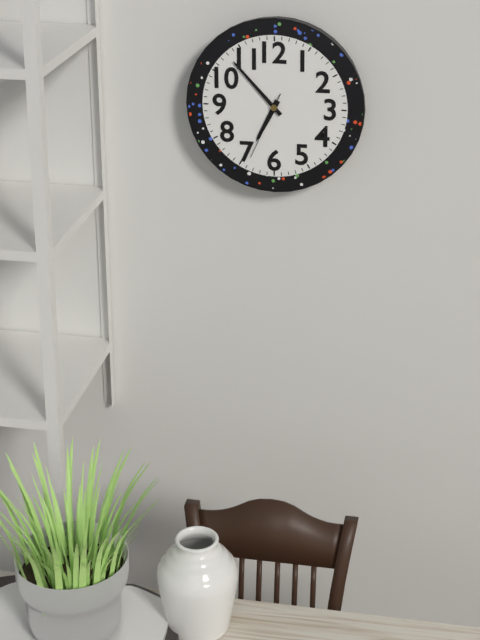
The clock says 6:53:34
